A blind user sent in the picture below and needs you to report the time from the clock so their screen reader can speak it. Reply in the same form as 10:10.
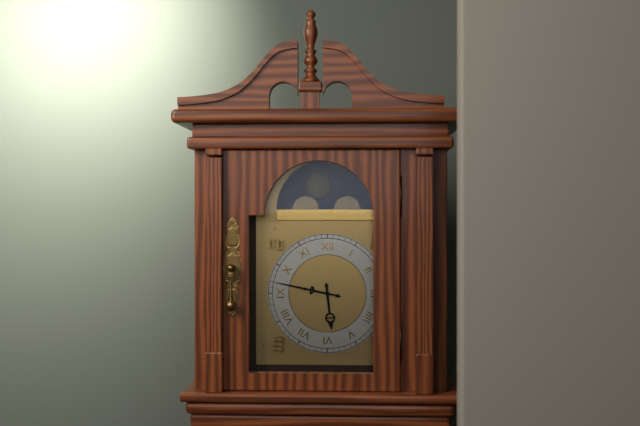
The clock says 5:47
